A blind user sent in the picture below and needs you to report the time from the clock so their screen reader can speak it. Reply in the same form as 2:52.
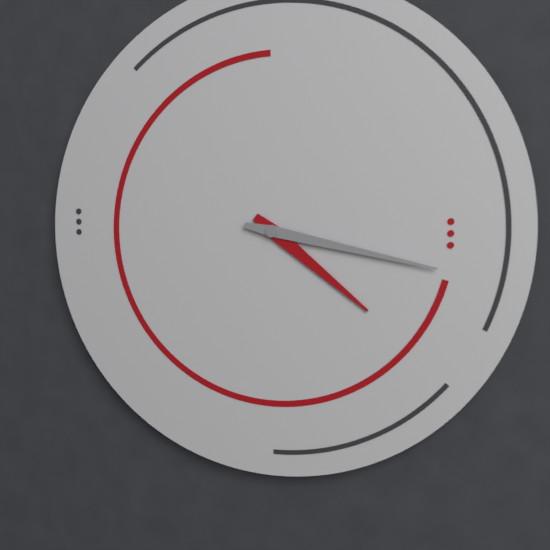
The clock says 4:17
